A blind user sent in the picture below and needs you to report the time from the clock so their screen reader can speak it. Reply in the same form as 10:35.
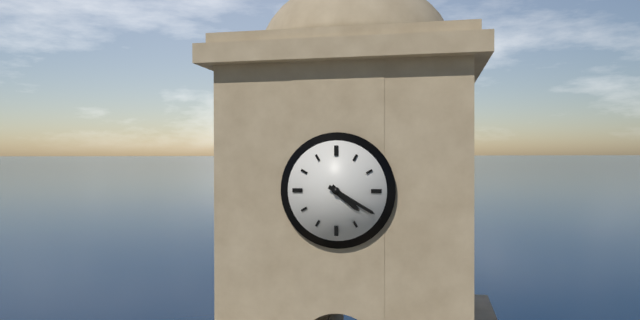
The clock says 4:20
